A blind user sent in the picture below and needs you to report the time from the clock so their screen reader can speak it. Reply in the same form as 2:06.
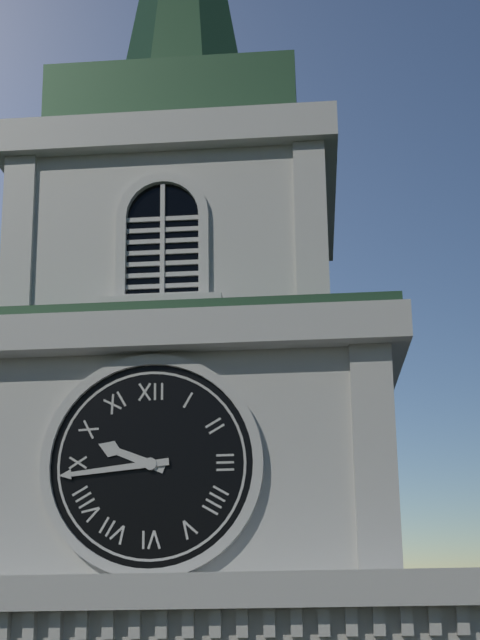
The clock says 9:44
